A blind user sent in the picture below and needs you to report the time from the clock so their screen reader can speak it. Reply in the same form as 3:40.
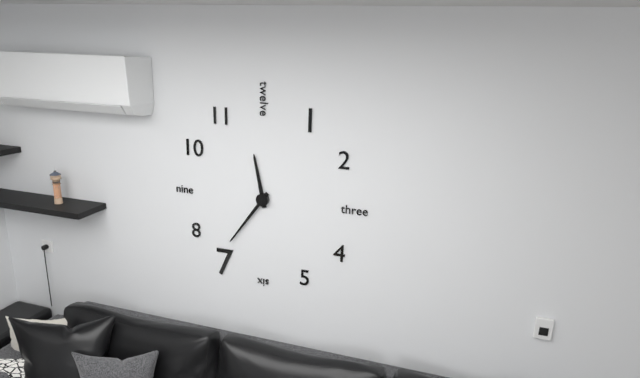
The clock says 11:36
